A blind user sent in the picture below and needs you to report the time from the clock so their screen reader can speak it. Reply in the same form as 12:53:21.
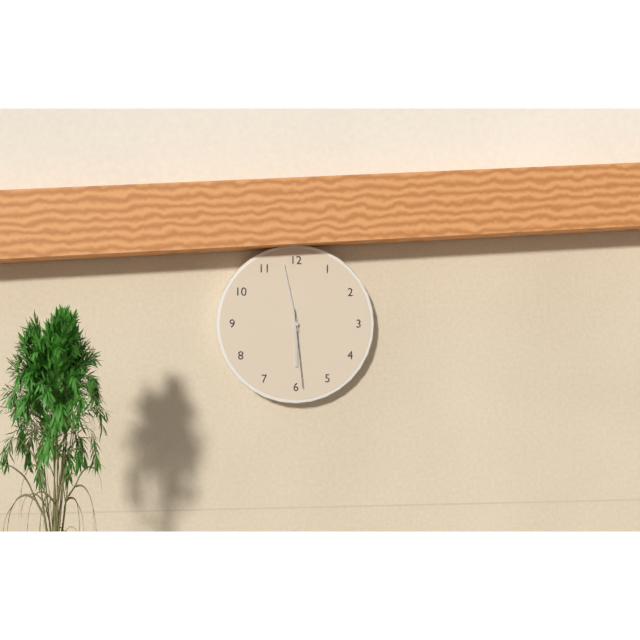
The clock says 5:58:29
